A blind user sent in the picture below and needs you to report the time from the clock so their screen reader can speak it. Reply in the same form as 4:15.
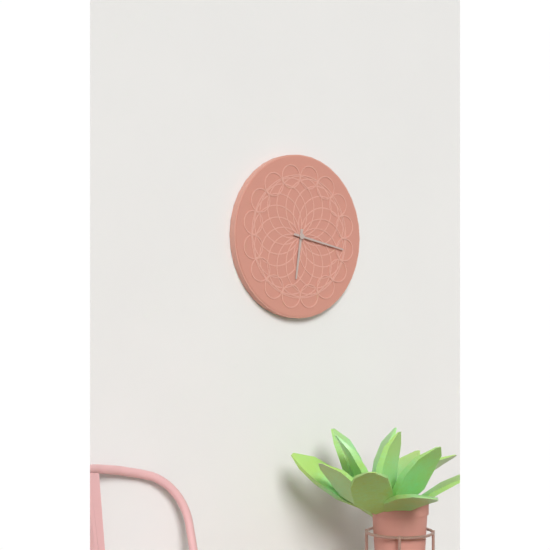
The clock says 6:17
